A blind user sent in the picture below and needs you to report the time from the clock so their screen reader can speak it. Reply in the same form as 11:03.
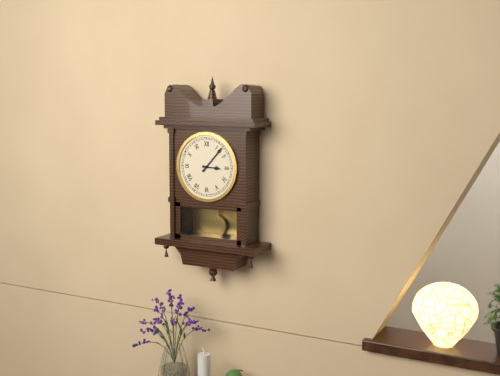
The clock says 3:07
